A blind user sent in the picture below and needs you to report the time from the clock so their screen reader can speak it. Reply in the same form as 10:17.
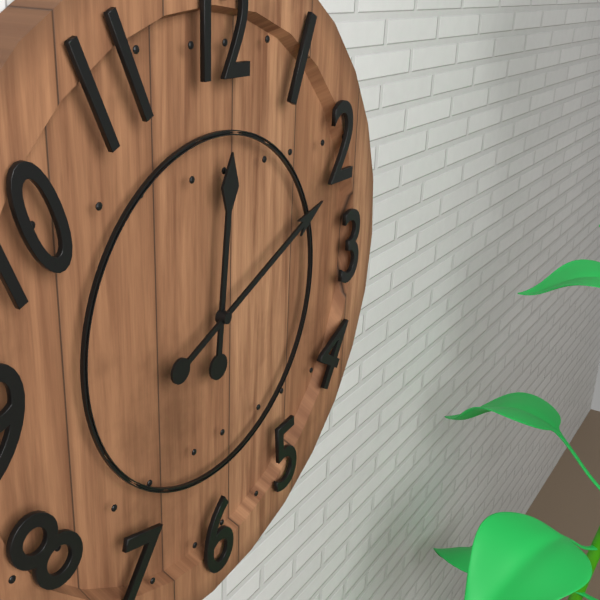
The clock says 12:11
